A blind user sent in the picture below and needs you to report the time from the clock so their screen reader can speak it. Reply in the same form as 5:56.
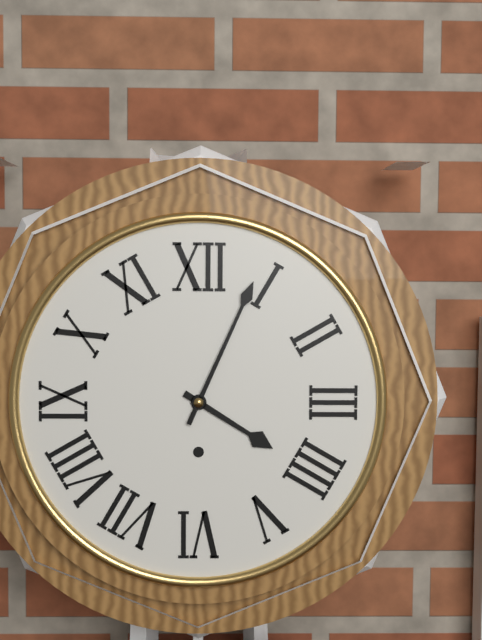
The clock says 4:04
